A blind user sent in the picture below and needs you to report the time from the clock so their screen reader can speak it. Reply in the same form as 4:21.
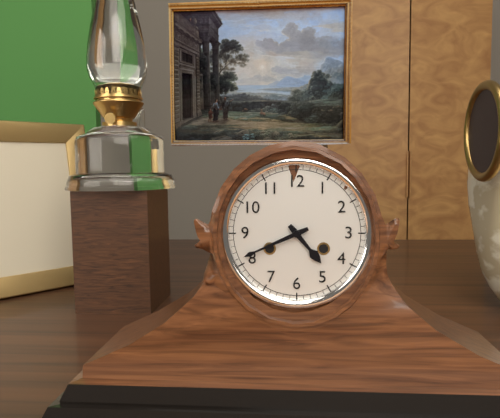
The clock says 4:41
